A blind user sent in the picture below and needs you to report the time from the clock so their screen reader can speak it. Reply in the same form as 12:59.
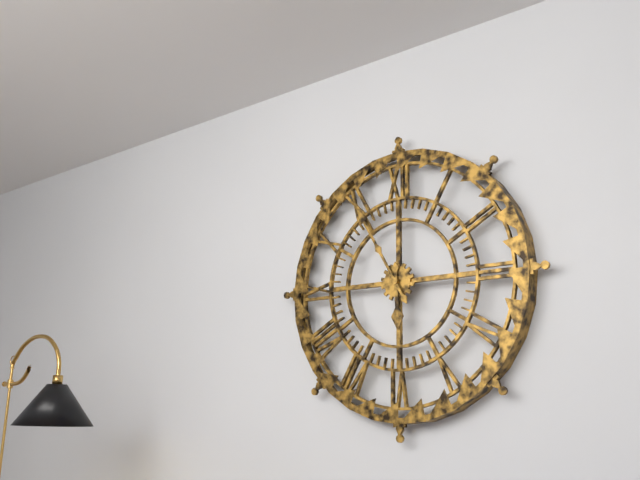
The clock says 5:55
